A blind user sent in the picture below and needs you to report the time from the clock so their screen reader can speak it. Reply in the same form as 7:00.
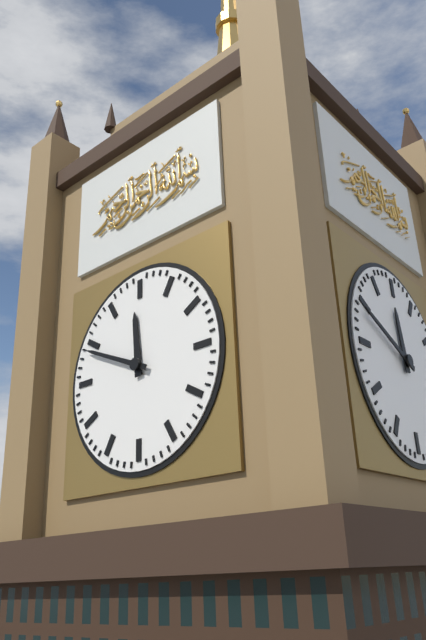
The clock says 11:49
